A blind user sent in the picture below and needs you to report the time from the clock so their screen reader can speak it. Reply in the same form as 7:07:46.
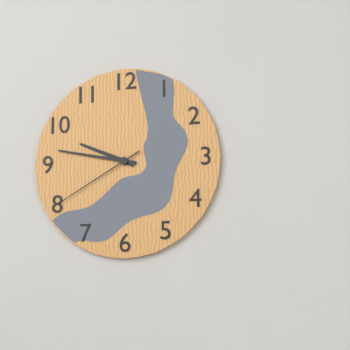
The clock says 9:47:40
